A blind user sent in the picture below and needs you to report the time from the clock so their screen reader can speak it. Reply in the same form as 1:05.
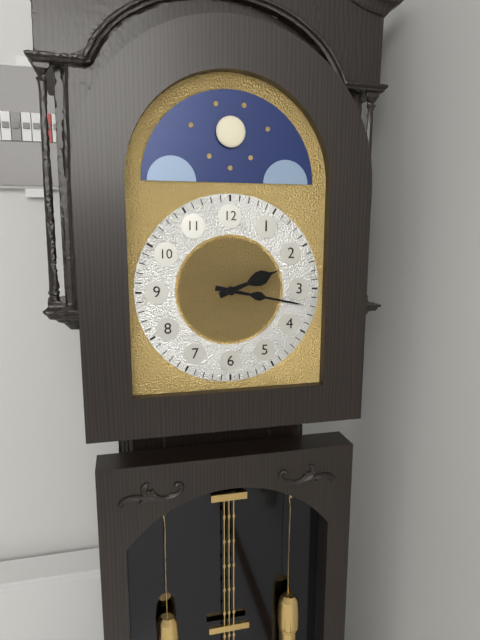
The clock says 2:17
